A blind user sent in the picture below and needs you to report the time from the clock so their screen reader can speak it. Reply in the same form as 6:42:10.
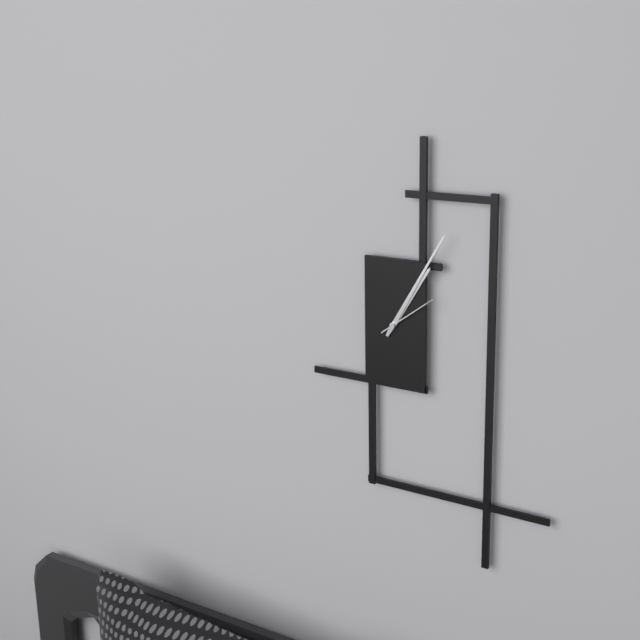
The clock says 1:05:09
